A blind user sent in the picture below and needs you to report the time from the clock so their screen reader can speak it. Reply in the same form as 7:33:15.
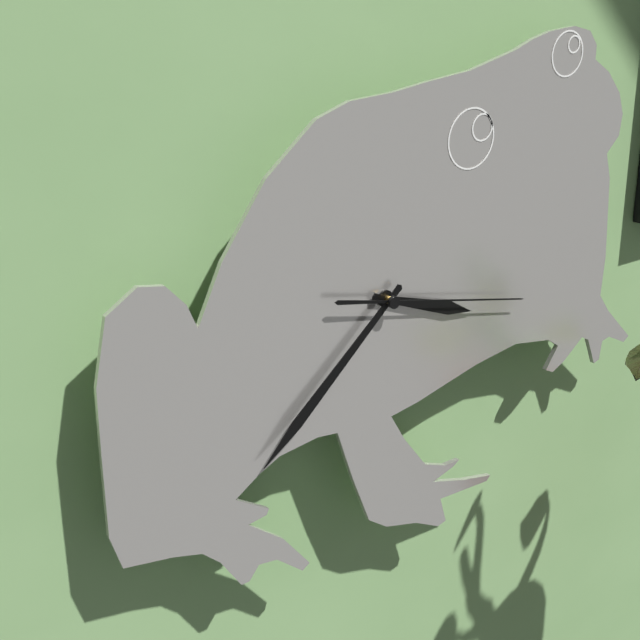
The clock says 3:38:17
